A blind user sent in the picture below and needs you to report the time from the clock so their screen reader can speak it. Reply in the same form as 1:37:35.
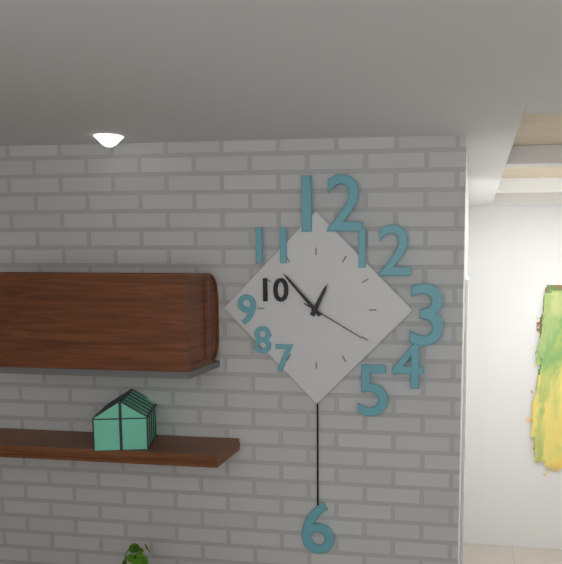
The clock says 12:53:20
